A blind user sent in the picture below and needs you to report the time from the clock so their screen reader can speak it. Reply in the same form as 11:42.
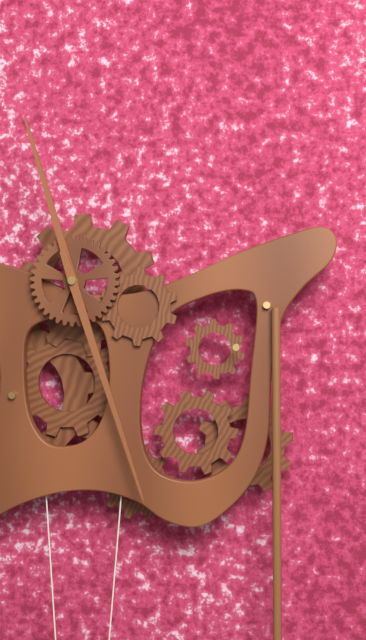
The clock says 11:27
